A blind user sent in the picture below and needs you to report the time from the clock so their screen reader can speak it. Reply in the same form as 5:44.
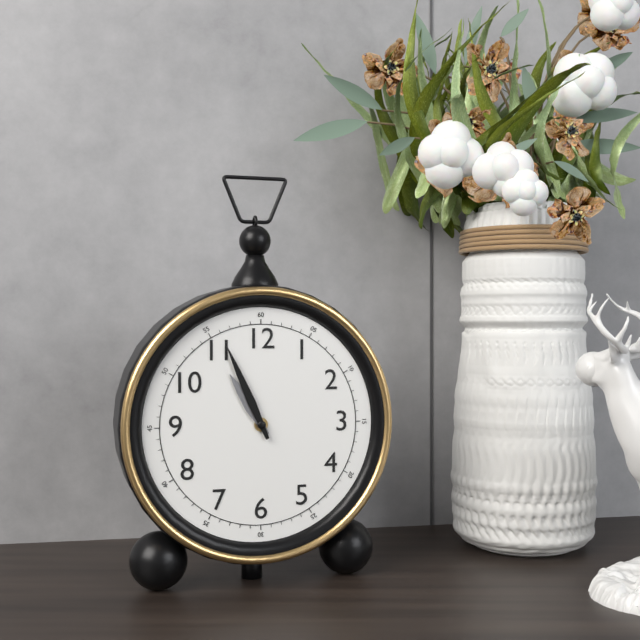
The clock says 10:56
